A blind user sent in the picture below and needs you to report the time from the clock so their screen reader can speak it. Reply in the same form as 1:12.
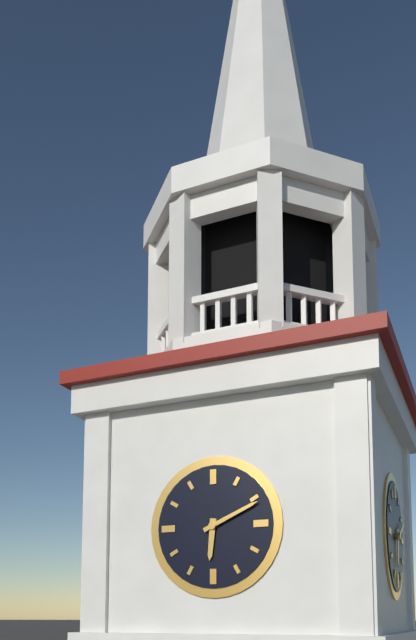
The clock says 6:11
